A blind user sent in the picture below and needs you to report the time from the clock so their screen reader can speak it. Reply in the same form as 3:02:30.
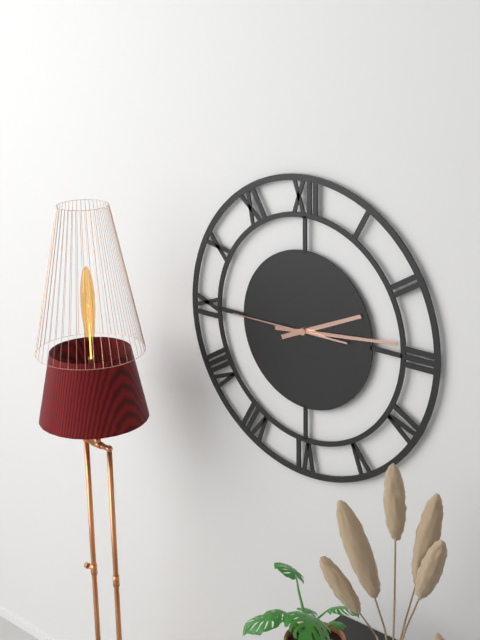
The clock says 2:14:45
